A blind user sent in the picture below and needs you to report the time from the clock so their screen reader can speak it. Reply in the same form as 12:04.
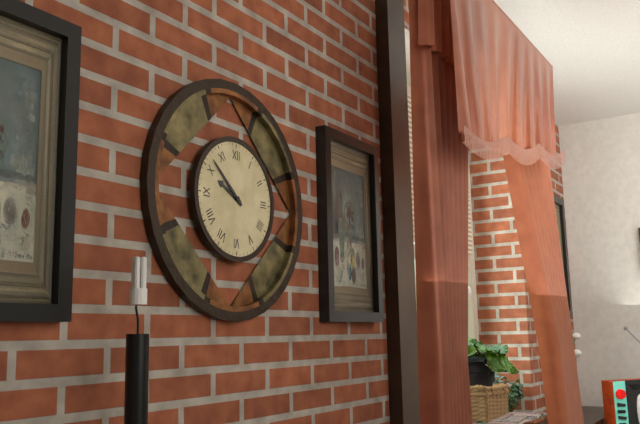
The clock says 9:52
